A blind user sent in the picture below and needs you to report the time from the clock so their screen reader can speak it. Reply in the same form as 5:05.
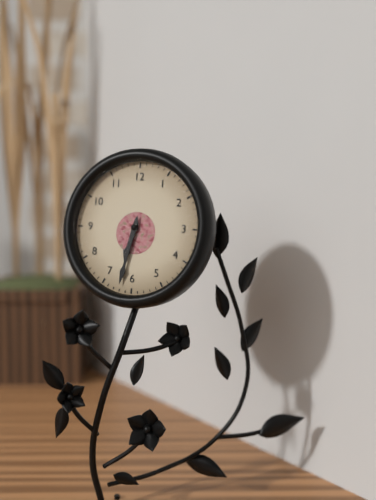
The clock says 6:32
